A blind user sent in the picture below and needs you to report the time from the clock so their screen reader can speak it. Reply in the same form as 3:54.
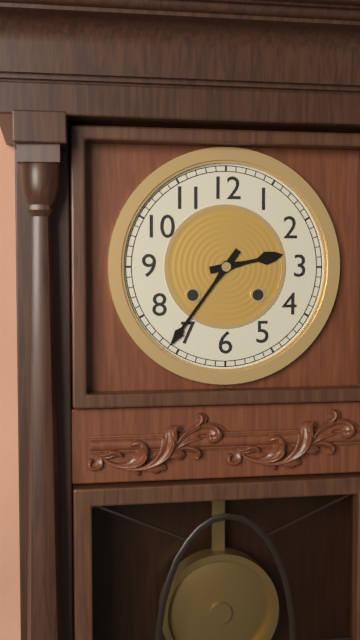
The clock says 2:36
